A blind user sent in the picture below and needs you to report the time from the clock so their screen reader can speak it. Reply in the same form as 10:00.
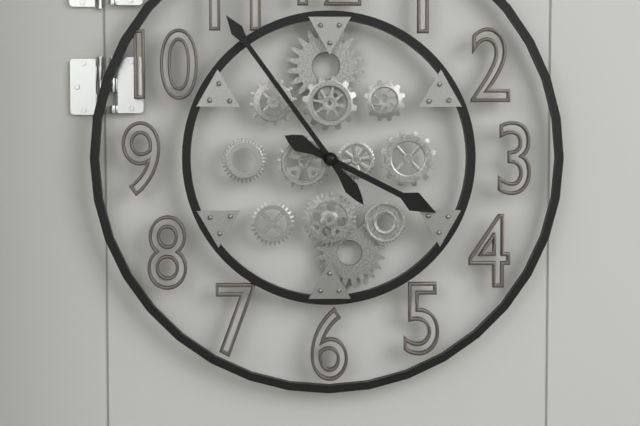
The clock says 3:54
